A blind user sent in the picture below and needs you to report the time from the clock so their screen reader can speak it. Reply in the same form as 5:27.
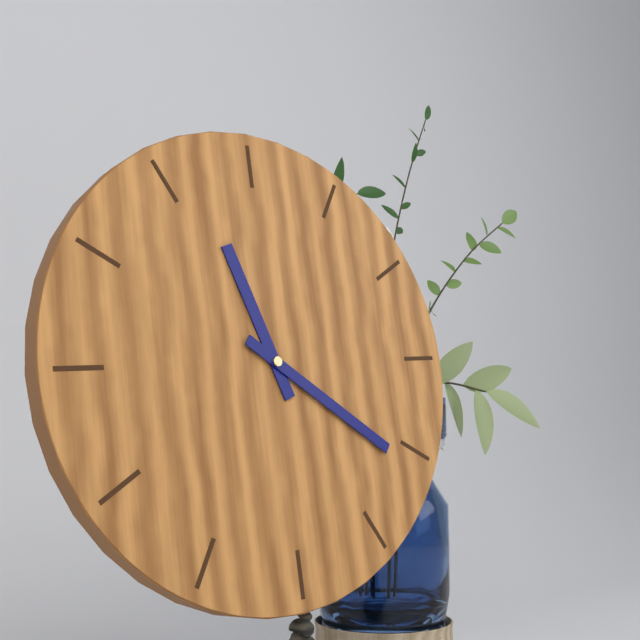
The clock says 11:21
